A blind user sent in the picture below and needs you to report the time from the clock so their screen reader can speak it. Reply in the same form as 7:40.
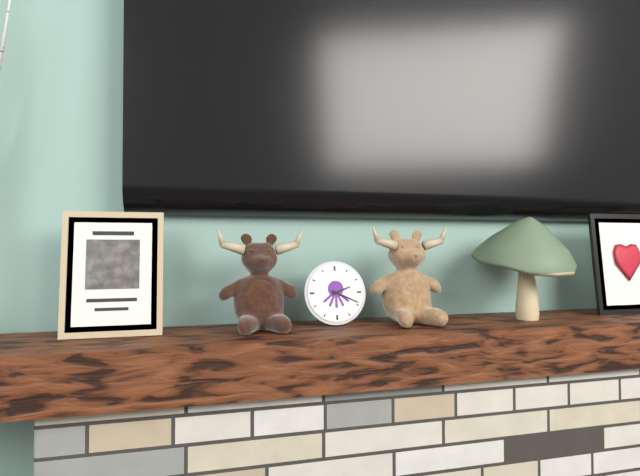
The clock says 2:19
